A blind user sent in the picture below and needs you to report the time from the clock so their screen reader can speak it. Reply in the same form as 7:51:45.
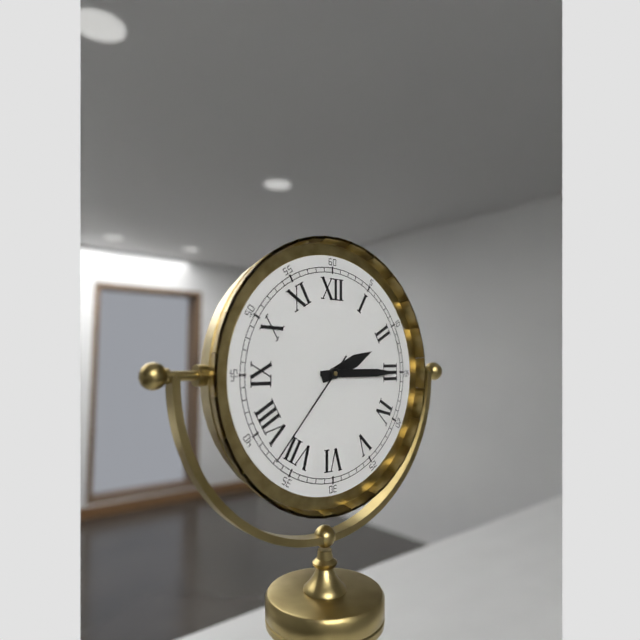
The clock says 2:15:37
